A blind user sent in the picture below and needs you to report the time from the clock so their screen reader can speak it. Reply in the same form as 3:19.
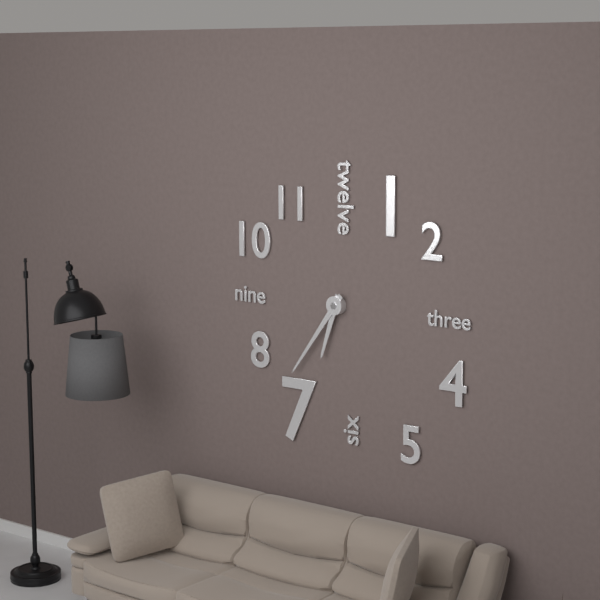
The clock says 6:36
